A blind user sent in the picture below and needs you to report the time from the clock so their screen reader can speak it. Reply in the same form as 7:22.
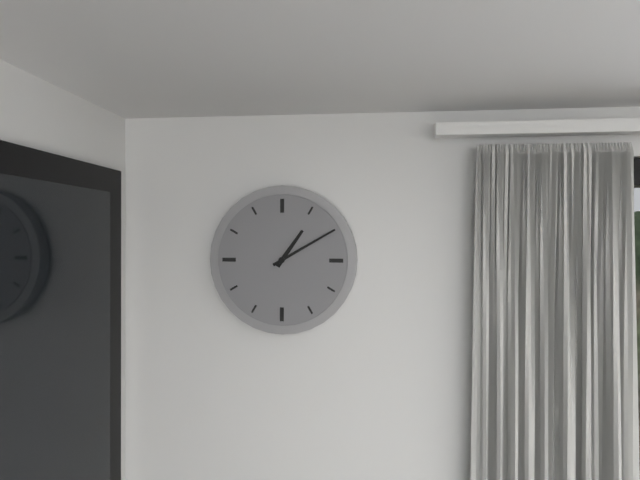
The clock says 1:10
